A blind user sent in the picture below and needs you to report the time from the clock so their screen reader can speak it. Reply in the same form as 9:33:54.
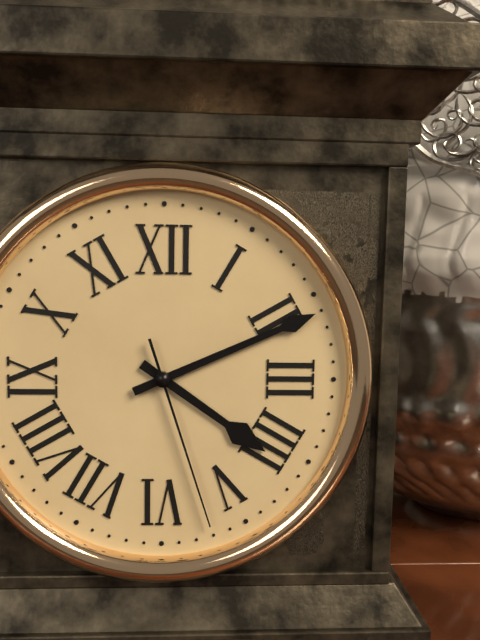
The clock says 4:11:27
